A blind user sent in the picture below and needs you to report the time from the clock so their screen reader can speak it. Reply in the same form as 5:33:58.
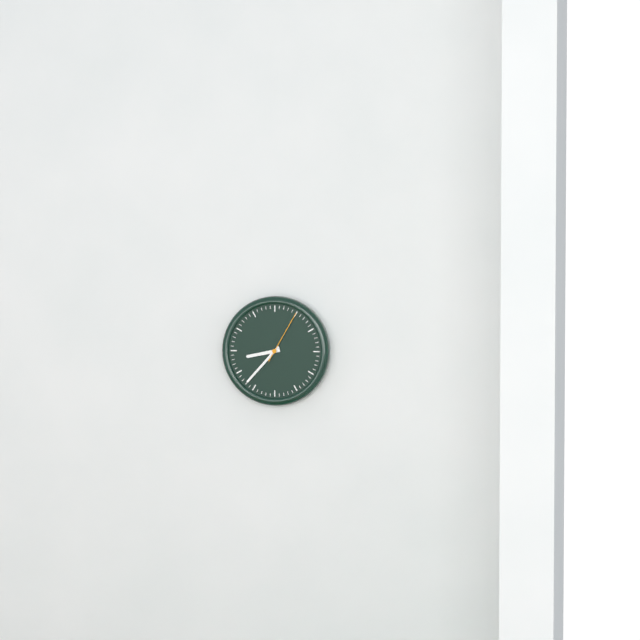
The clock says 8:37:05
